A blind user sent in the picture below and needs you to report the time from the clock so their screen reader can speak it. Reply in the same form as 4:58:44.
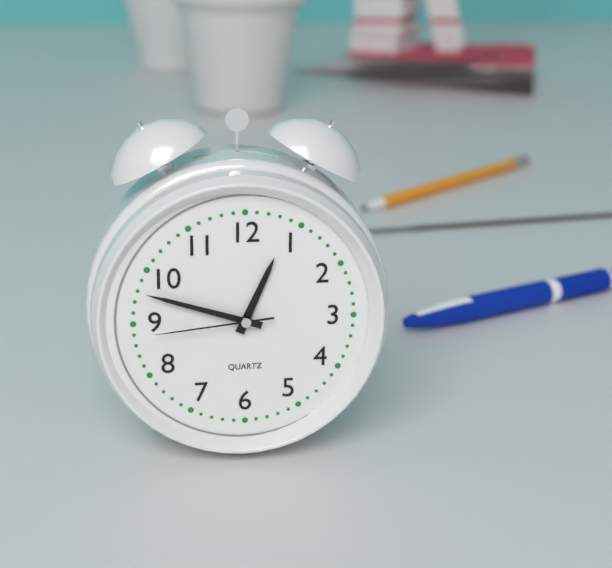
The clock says 12:48:44
